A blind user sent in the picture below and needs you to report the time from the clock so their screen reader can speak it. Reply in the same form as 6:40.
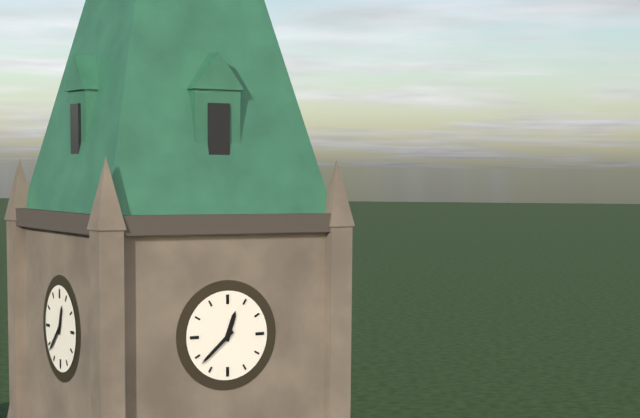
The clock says 12:38
